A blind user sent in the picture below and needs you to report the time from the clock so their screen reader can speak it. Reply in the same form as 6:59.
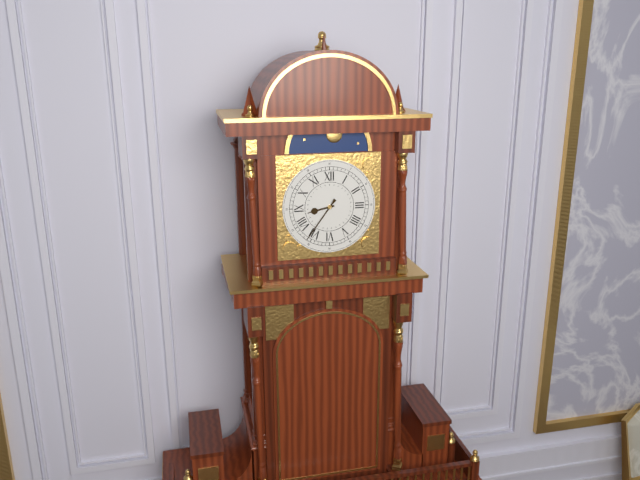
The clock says 8:36
